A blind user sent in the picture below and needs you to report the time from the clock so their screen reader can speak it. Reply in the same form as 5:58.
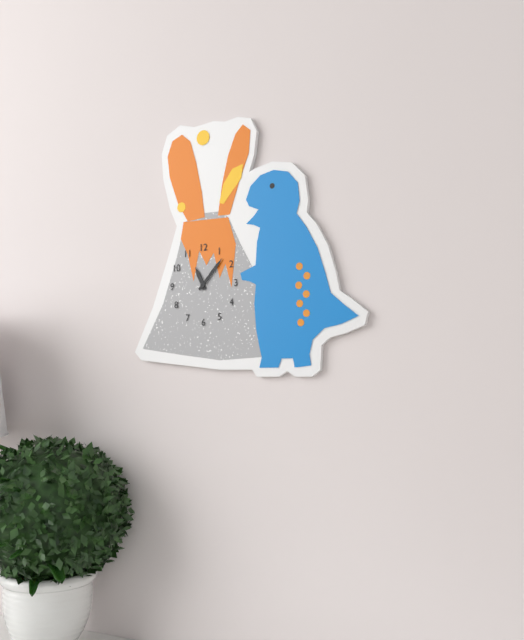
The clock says 11:07
